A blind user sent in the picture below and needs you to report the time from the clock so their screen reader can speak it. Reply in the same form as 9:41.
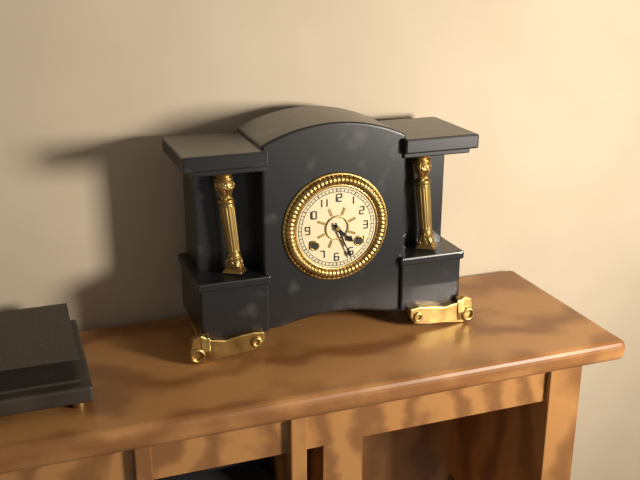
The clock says 4:26
